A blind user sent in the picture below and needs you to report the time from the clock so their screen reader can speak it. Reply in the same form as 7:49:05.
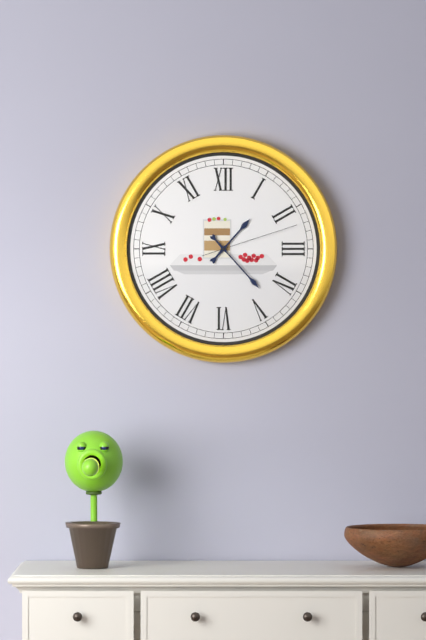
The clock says 1:23:12
